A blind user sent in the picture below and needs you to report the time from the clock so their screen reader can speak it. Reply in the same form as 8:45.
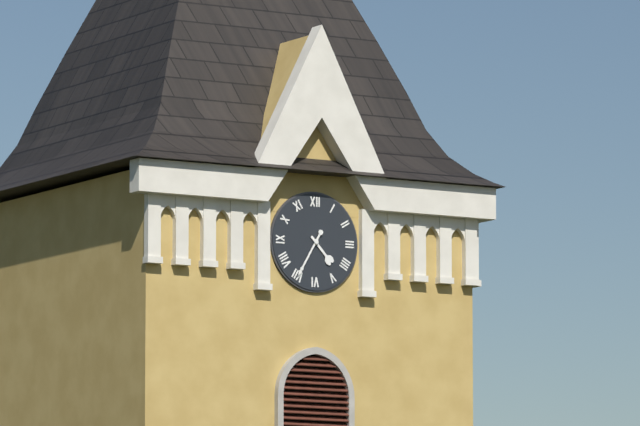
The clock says 4:35
